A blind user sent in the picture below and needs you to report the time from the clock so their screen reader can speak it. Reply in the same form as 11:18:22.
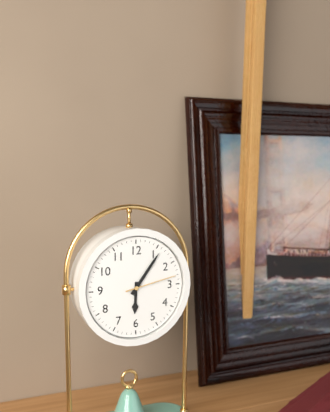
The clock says 6:06:13
